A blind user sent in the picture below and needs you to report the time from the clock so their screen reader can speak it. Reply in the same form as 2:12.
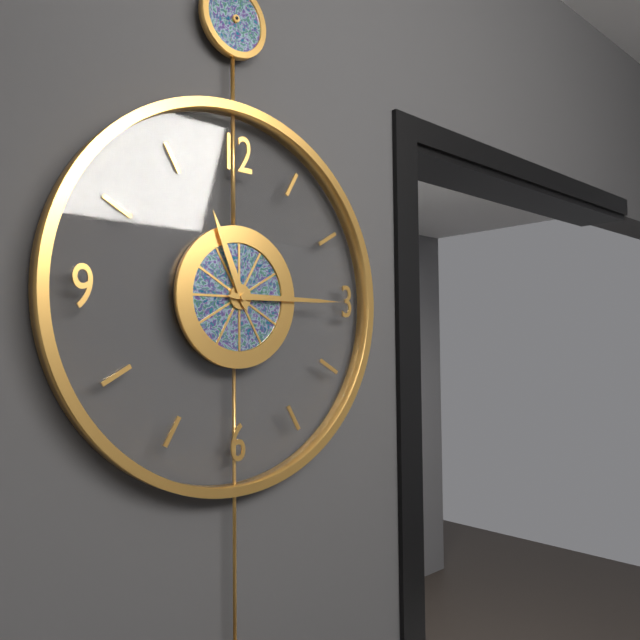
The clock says 11:15
